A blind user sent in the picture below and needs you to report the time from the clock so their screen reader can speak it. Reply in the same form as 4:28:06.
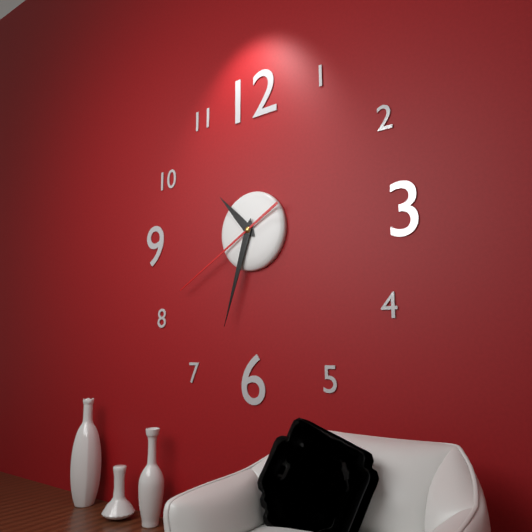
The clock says 10:33:40
